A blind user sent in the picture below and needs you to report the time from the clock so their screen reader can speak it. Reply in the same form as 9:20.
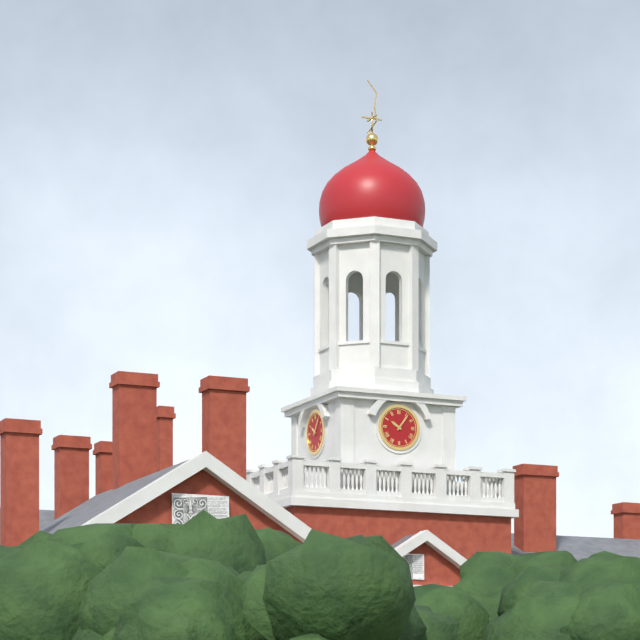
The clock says 10:06
